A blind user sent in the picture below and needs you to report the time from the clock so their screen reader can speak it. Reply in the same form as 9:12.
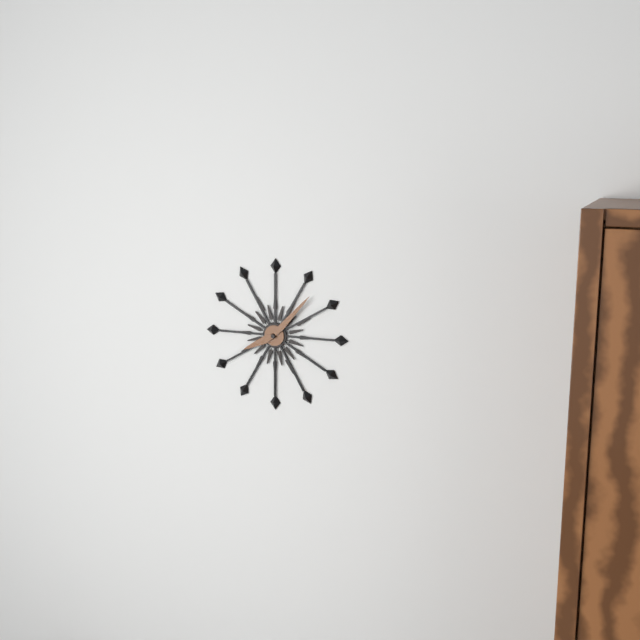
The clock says 8:07
